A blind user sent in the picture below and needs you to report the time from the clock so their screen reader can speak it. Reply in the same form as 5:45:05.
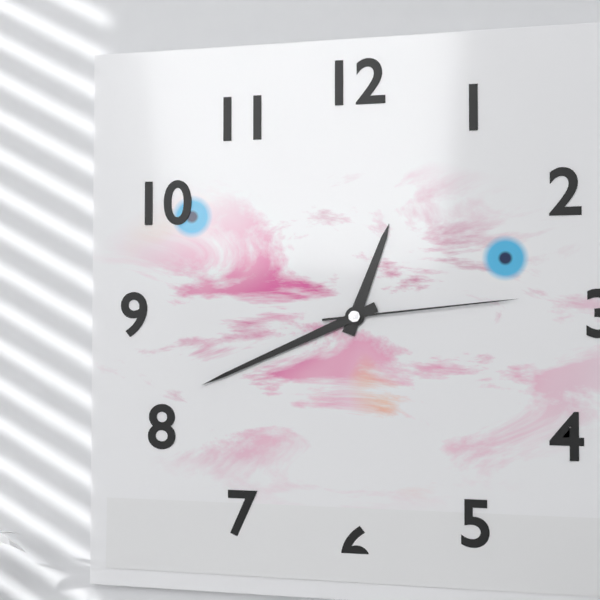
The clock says 12:41:14
